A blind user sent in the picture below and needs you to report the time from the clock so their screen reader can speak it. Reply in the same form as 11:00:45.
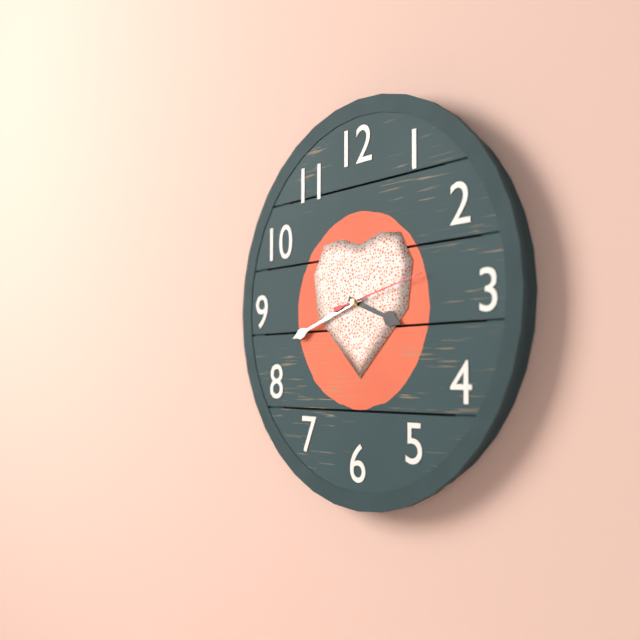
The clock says 3:42:13
